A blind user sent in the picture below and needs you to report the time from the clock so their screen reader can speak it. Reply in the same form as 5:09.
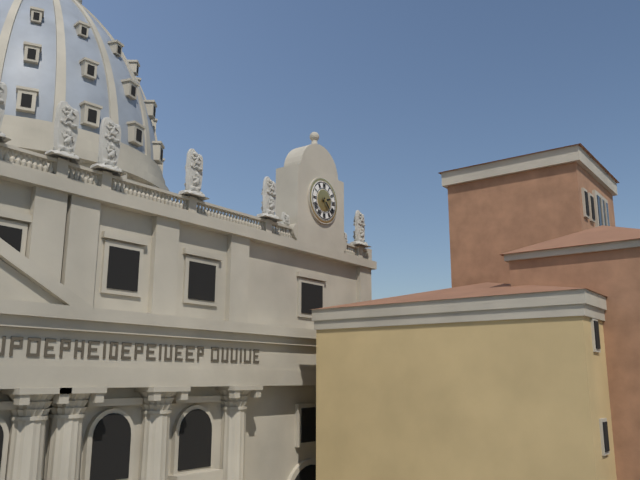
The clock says 2:23
